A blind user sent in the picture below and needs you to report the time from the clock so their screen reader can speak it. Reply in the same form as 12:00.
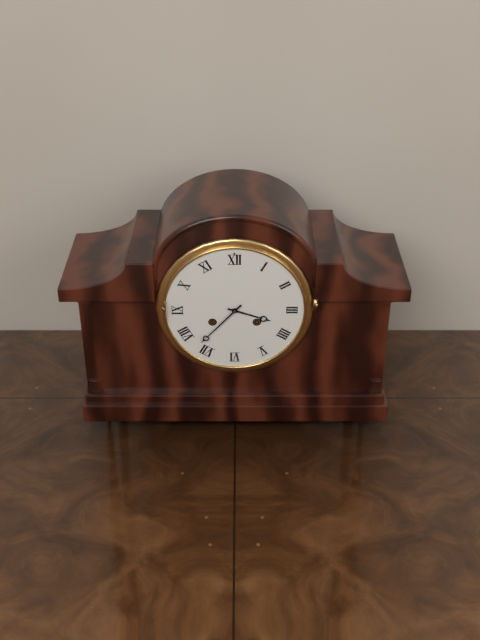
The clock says 3:37
